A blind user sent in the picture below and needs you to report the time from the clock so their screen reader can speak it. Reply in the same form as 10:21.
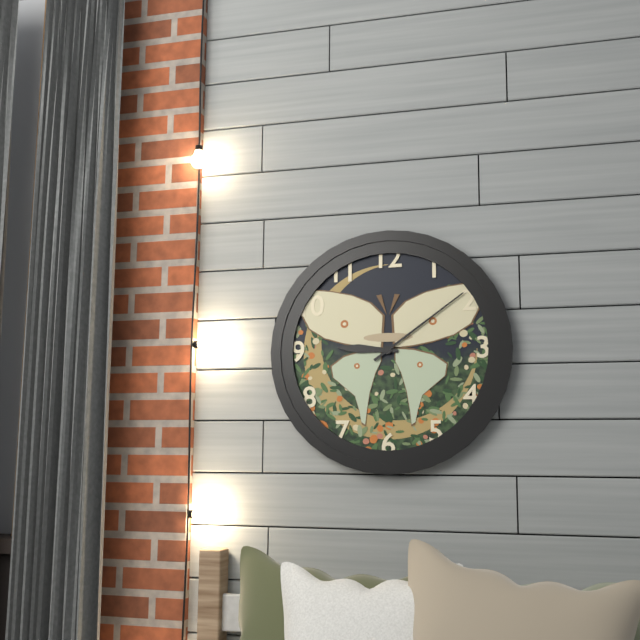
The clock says 9:09
